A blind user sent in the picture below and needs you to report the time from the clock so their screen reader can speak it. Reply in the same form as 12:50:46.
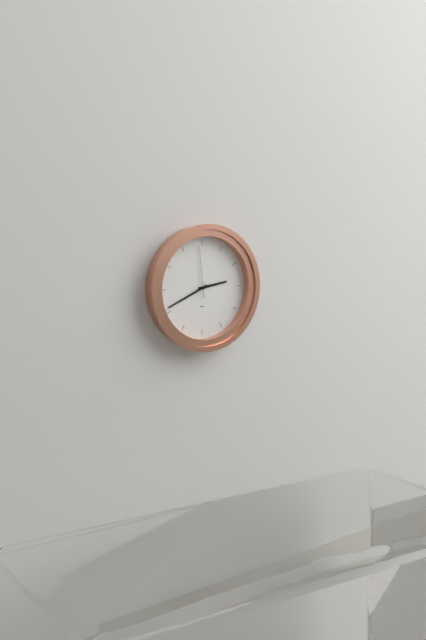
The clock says 2:41:59
